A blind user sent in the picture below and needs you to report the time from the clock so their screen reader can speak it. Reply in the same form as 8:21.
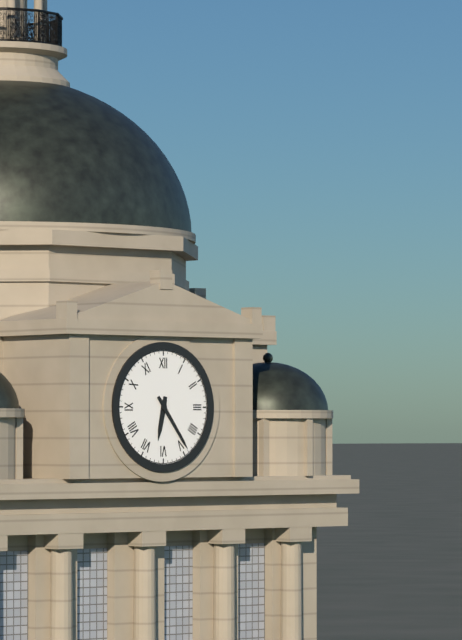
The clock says 6:24
